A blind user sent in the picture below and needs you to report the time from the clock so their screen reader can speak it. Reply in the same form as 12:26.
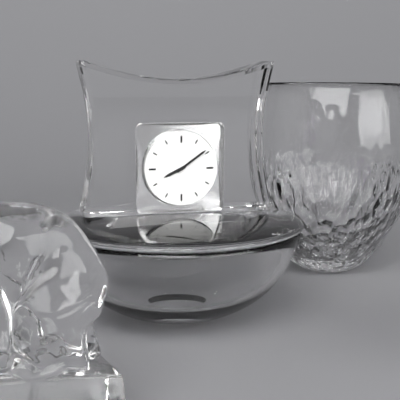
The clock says 8:09
